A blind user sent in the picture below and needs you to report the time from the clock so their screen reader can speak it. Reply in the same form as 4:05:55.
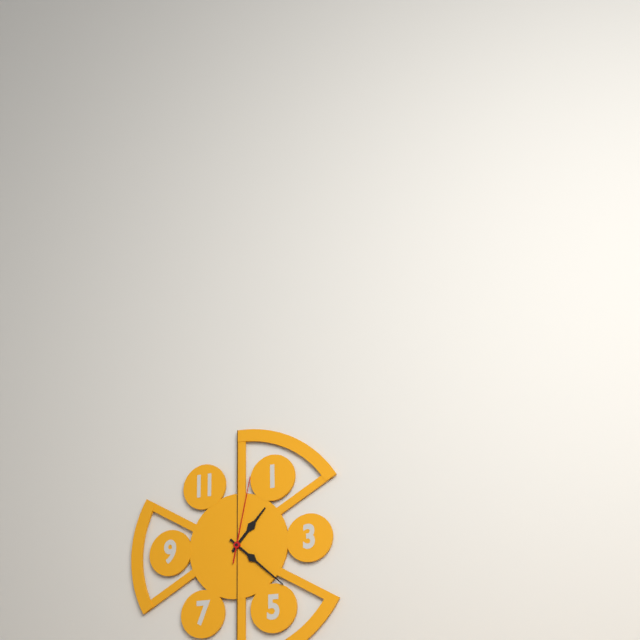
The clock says 1:22:02
